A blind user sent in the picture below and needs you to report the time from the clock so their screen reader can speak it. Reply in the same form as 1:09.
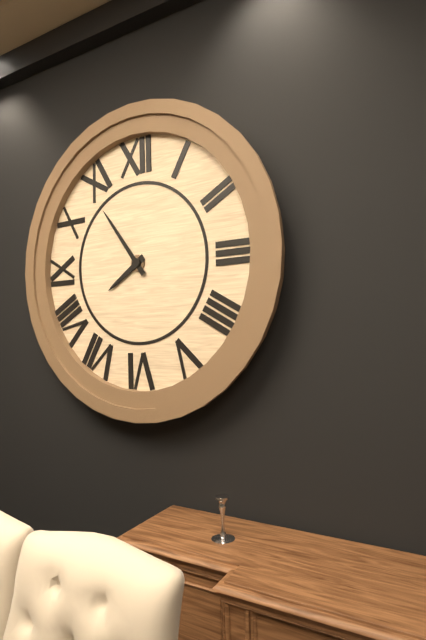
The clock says 7:54
